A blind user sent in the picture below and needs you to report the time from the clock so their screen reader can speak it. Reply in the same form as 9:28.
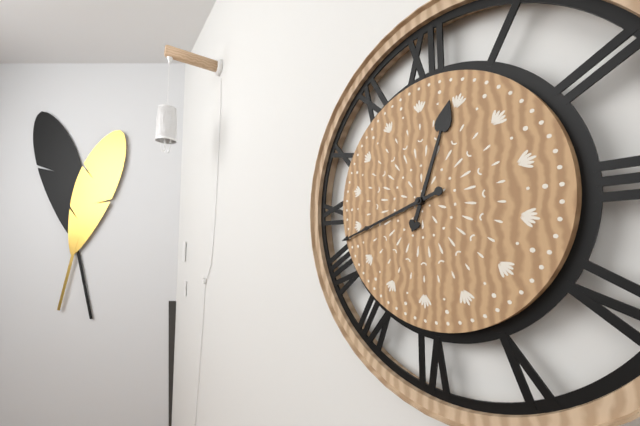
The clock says 12:42
